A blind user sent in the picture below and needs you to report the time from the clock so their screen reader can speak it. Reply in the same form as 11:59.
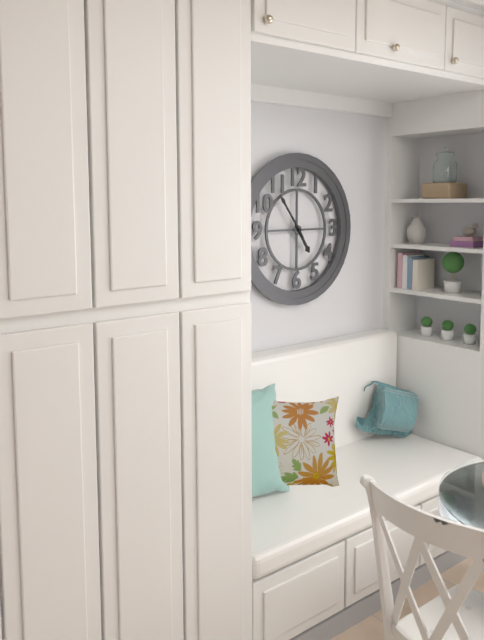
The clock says 4:54
